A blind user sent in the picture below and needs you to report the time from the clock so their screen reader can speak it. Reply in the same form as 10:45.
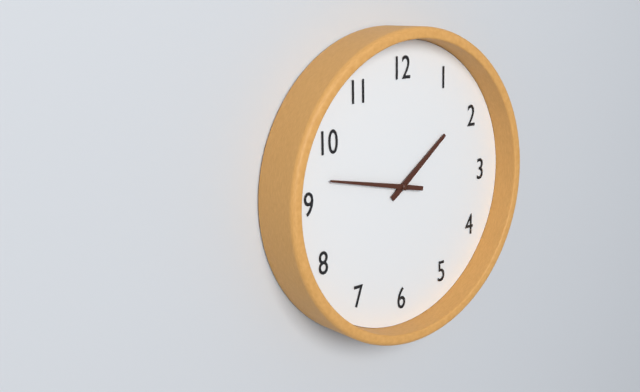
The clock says 1:47
